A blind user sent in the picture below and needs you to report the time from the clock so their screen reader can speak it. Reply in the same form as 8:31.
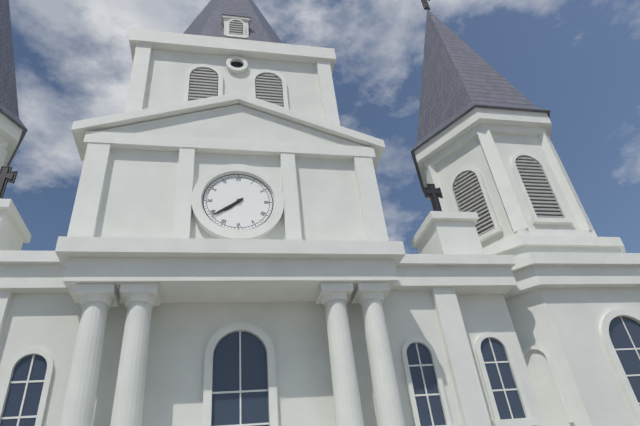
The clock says 7:39
